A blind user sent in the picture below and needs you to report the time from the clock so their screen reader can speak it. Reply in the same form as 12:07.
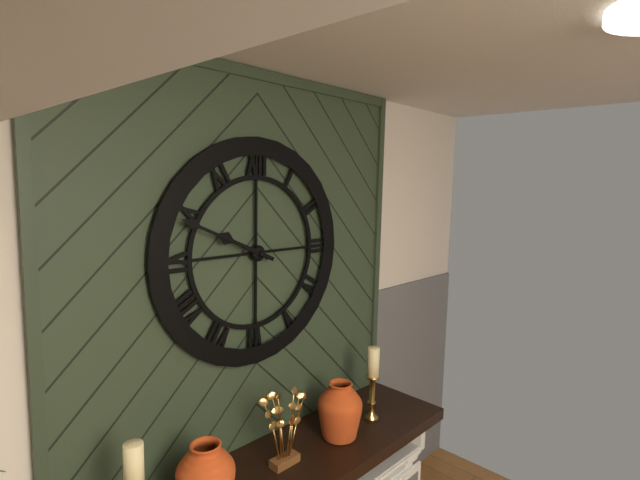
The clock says 9:49
